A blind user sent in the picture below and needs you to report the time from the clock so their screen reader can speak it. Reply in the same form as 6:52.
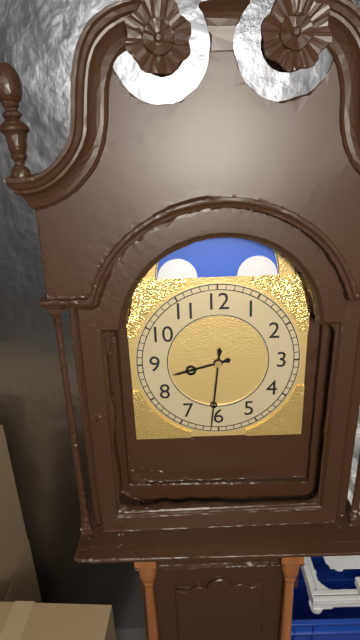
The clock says 8:31
